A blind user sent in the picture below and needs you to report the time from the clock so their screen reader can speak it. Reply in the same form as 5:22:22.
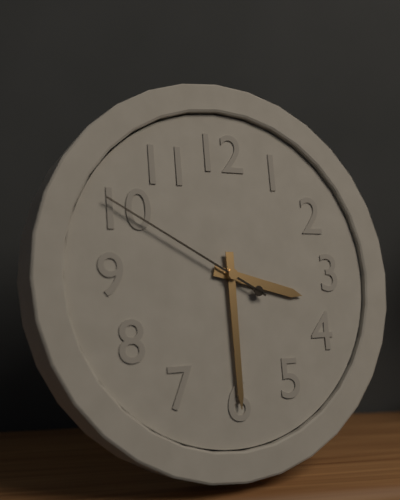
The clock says 3:30:50
